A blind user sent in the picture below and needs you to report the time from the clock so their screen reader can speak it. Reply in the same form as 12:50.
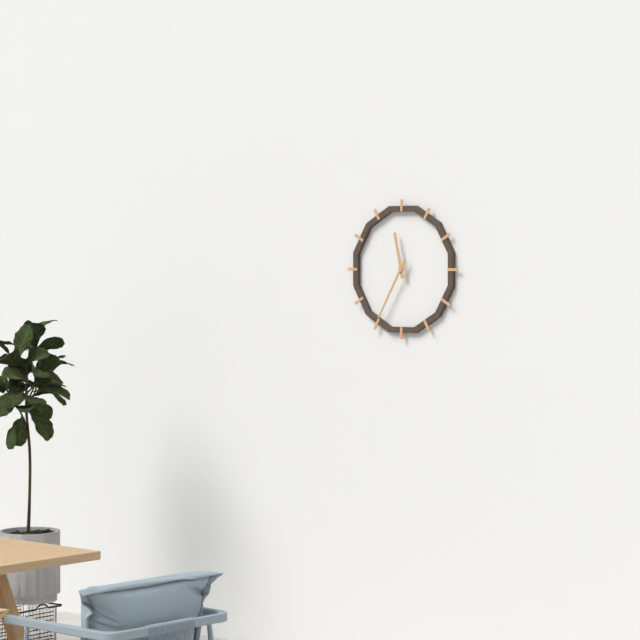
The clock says 11:35
